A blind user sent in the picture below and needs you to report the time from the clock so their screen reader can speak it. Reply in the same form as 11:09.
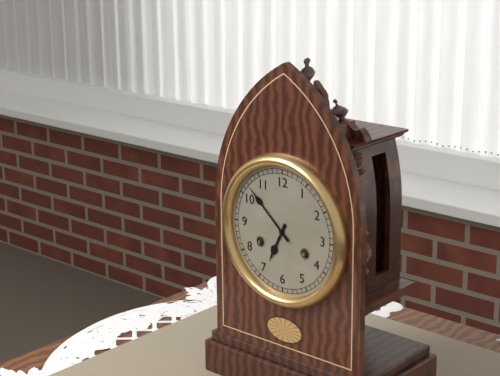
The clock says 6:52
